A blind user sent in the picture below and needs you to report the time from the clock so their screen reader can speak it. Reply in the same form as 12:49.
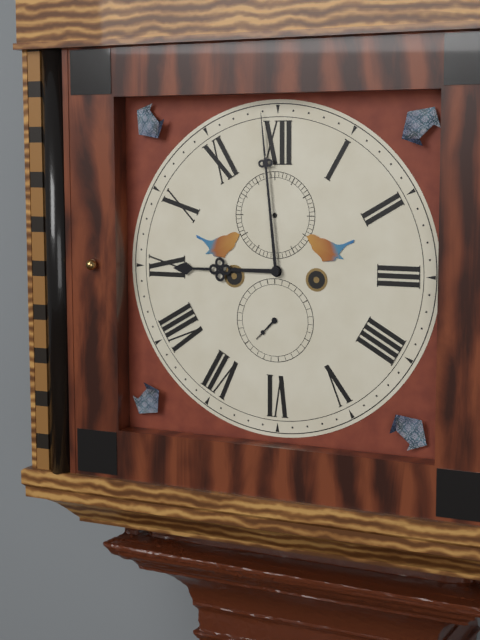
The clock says 8:59
